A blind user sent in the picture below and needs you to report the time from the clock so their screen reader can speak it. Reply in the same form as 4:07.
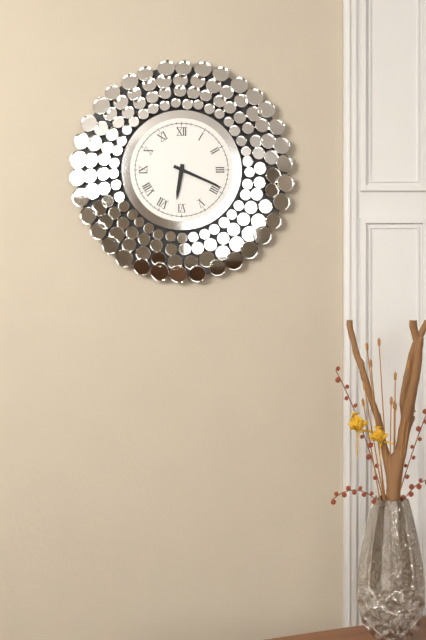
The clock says 6:19
